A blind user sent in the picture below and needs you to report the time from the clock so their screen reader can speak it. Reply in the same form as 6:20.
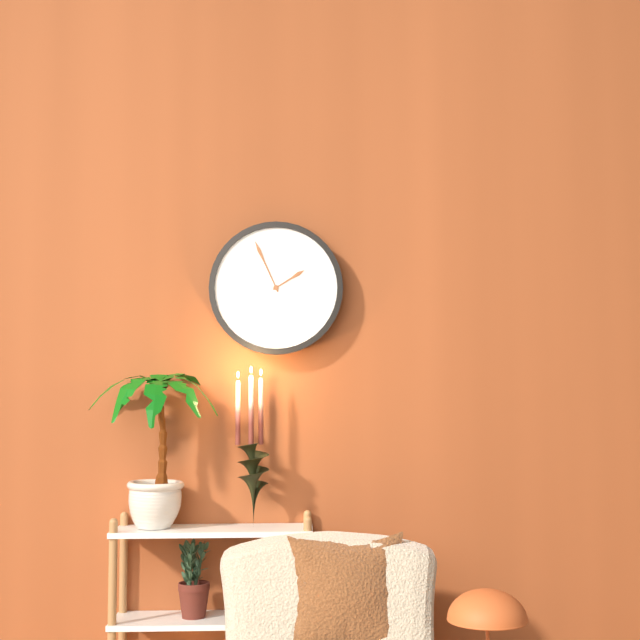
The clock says 1:56
